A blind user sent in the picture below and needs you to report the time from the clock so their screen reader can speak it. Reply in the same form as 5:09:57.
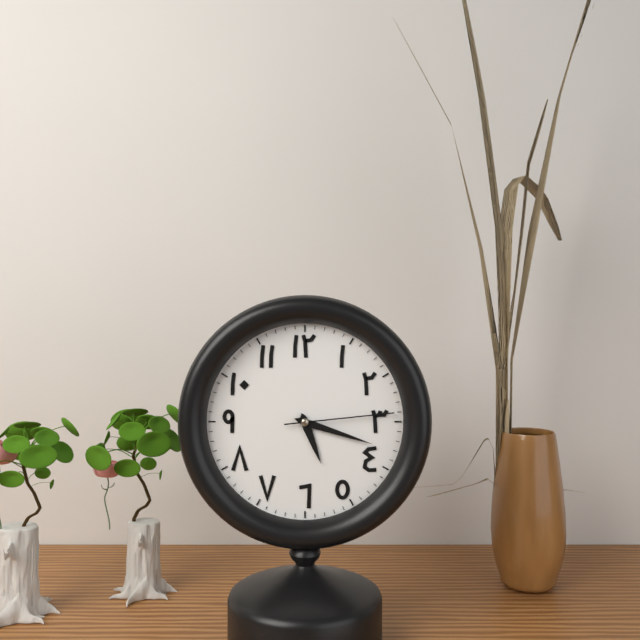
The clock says 5:18:14
